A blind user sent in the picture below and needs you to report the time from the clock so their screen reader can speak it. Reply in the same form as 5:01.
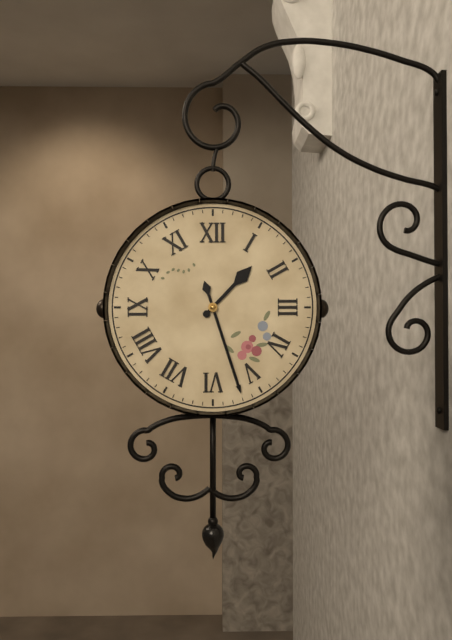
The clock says 1:27
